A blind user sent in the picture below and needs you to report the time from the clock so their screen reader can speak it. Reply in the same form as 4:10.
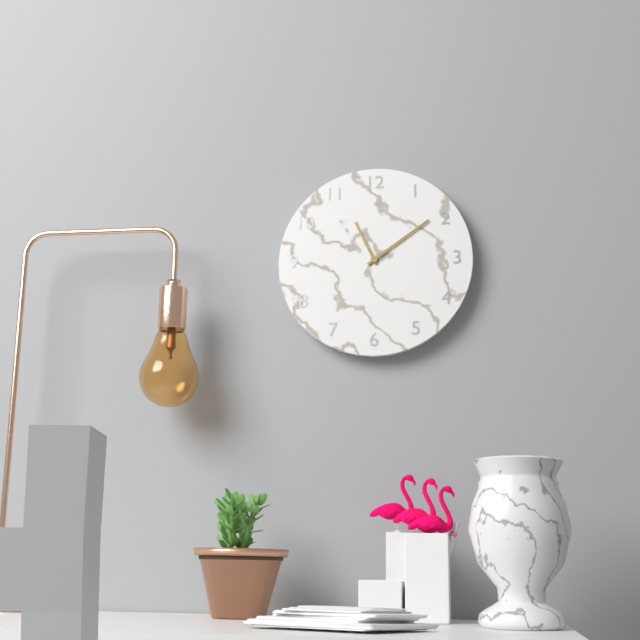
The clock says 11:09
